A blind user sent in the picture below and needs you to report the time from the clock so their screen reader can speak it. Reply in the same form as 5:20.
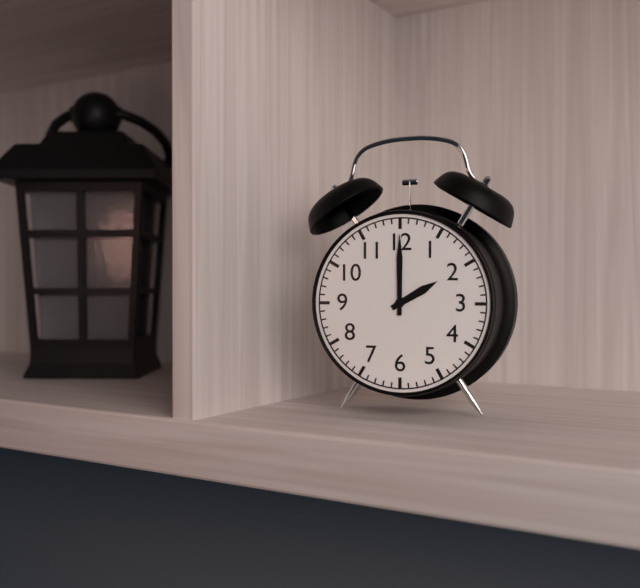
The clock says 2:00
